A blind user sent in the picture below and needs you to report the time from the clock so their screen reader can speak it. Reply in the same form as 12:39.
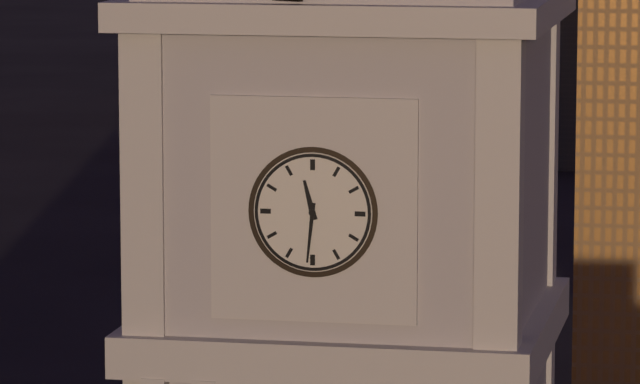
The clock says 11:31
